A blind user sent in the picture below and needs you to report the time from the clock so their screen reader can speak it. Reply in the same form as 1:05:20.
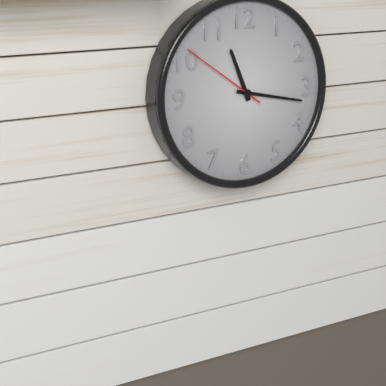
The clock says 11:17:51
